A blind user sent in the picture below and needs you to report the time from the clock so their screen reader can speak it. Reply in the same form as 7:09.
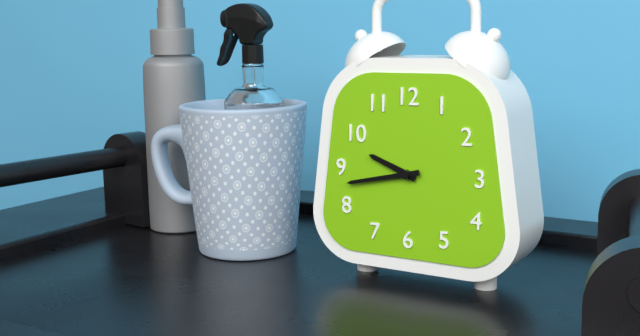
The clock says 9:43
